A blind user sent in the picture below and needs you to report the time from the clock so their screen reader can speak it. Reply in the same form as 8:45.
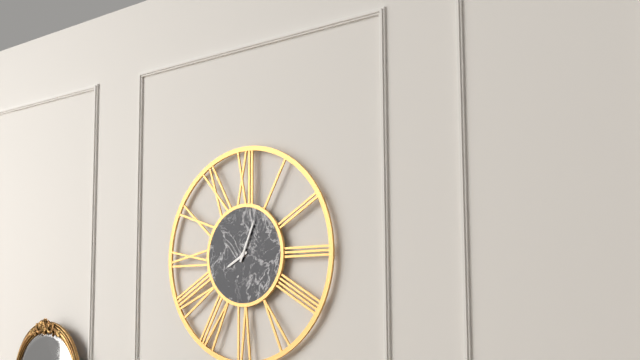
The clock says 8:04
